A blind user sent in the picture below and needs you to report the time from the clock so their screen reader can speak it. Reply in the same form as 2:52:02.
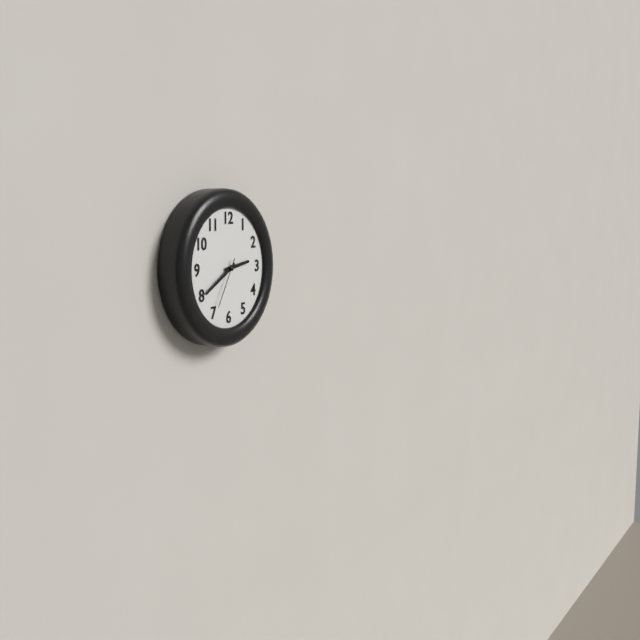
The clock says 2:40:35
